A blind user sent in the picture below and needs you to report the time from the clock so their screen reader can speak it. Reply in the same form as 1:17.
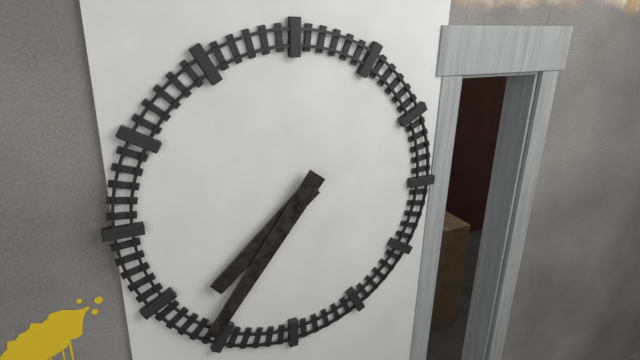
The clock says 7:36
